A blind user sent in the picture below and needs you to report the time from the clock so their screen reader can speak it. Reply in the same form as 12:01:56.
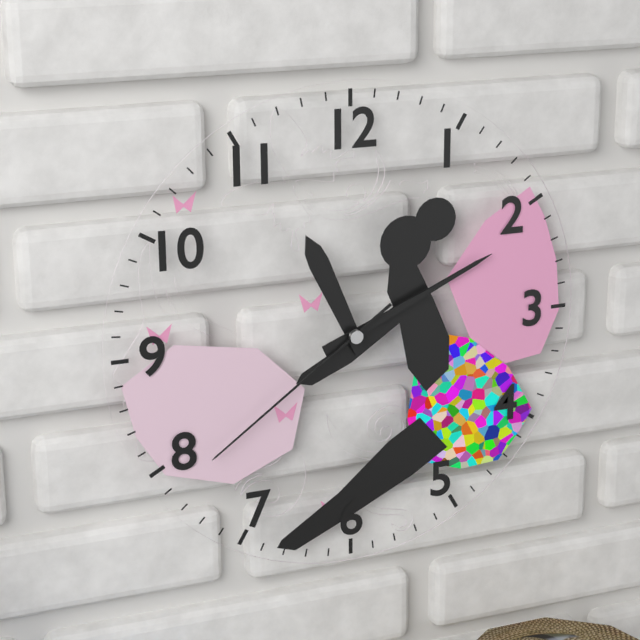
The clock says 11:11:39
